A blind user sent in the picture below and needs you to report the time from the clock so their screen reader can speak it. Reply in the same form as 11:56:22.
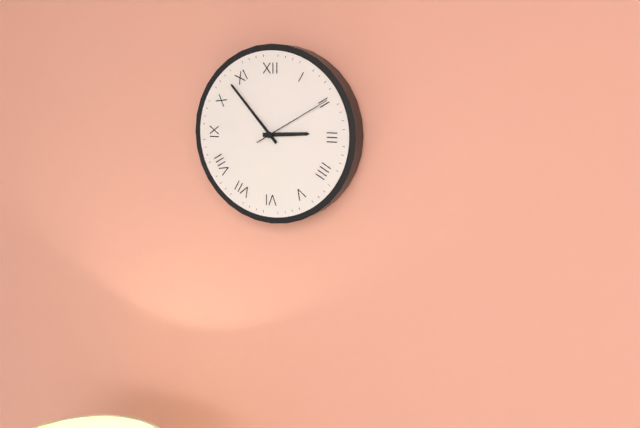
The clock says 2:53:10
